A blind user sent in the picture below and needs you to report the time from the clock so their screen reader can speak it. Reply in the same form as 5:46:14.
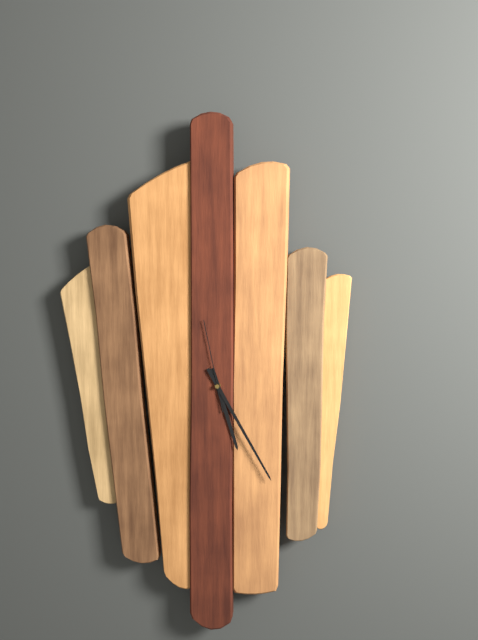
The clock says 5:25:58
